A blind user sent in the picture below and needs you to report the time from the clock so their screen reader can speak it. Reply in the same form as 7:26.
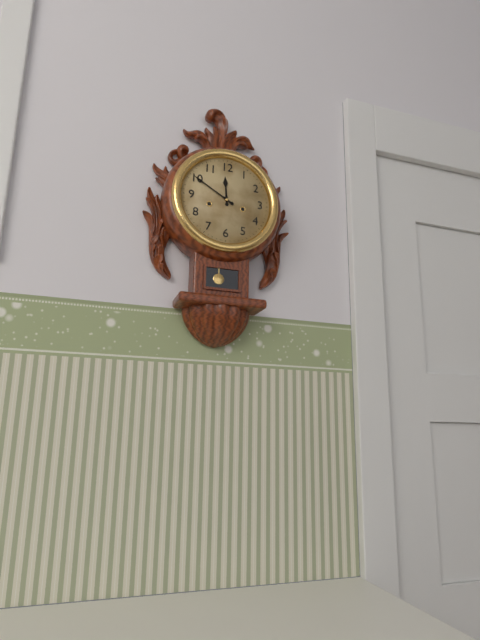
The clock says 11:50
